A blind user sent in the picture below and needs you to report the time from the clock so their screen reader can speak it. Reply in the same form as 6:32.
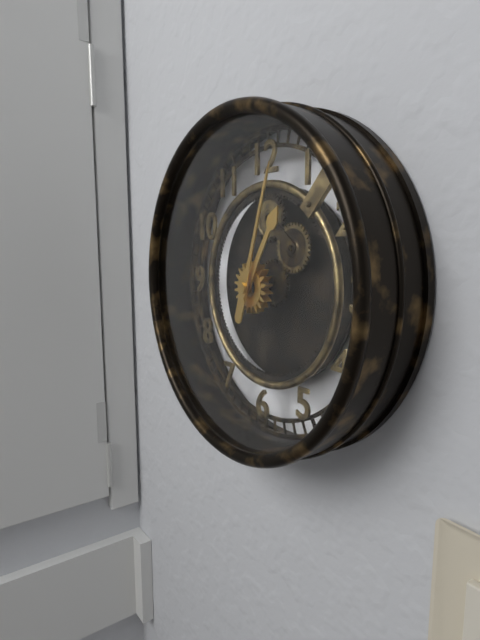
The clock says 1:03
